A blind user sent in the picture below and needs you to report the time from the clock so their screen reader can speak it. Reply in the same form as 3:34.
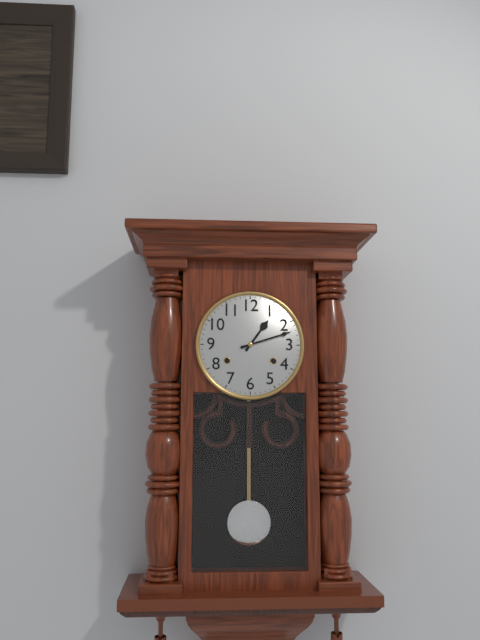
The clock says 1:12
